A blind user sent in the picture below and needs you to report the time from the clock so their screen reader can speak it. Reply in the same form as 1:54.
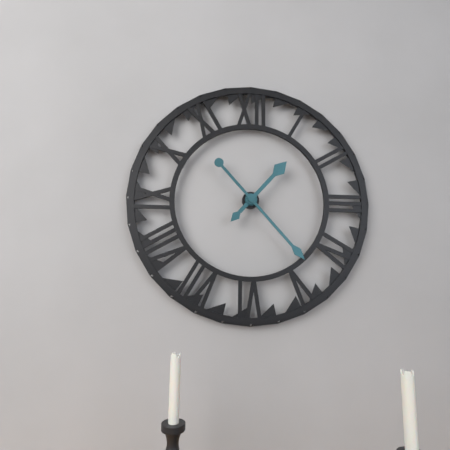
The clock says 1:23
